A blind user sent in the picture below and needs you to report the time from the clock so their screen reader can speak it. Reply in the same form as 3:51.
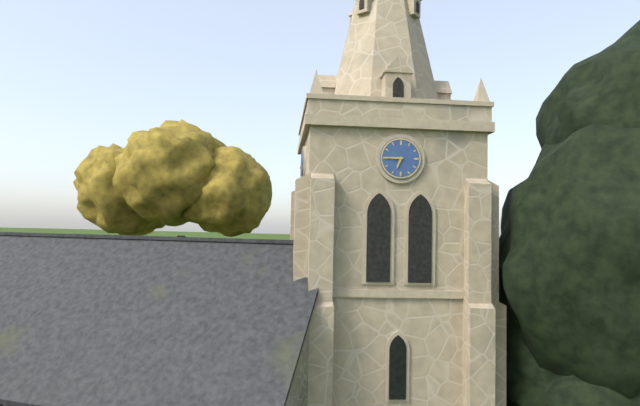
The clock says 6:45
